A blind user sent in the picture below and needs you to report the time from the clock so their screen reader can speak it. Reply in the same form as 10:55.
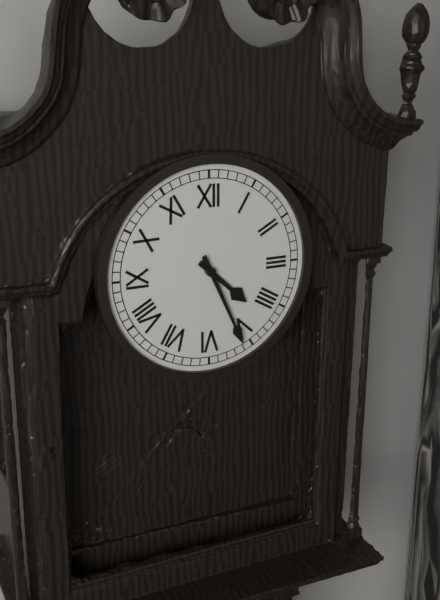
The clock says 4:26
